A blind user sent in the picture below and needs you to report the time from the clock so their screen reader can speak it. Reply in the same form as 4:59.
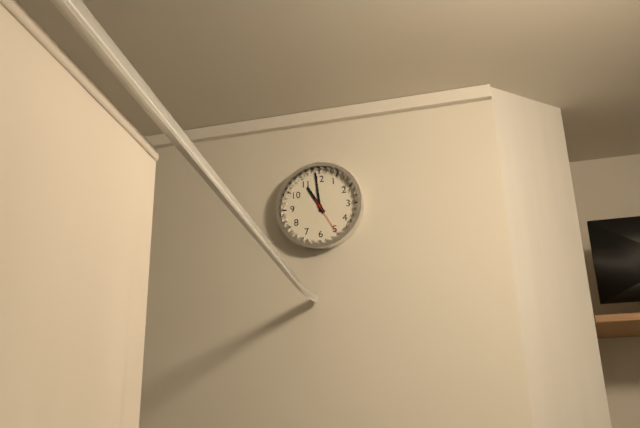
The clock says 10:59
